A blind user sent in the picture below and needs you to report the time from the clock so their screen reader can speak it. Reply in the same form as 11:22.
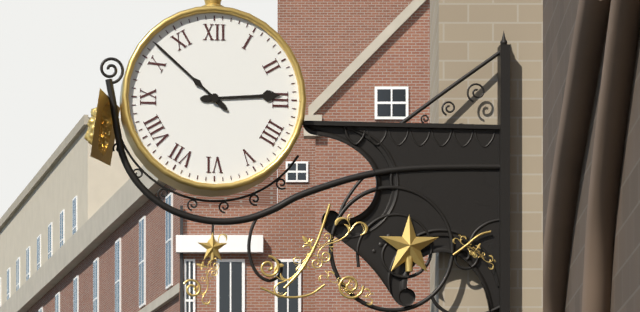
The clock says 2:52
